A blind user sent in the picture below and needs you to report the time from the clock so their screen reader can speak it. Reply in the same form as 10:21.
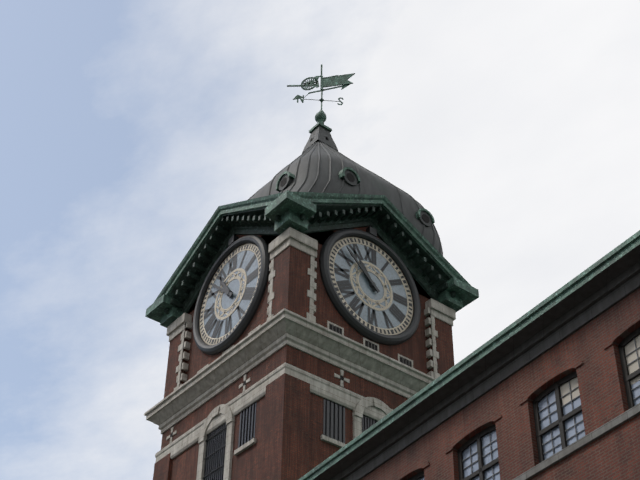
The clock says 10:52
